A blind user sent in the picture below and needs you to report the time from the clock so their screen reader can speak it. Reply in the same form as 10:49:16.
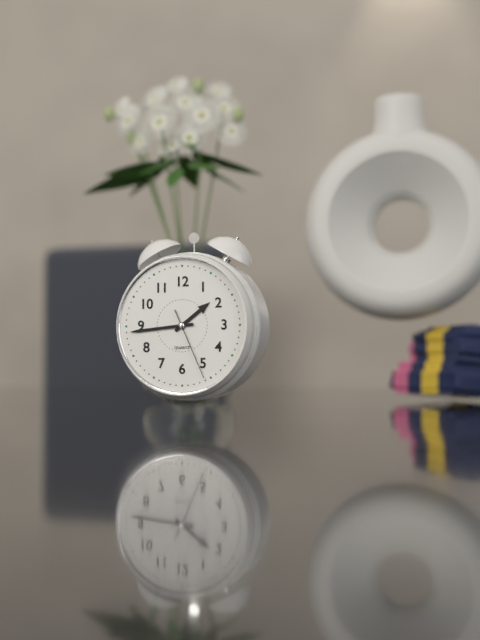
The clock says 1:44:26
